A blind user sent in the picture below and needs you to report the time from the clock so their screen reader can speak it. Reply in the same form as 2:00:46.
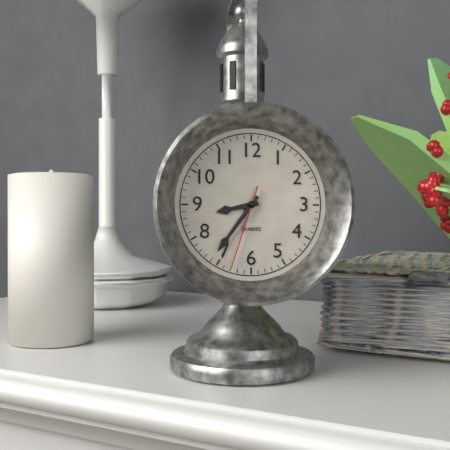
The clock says 8:36:33
